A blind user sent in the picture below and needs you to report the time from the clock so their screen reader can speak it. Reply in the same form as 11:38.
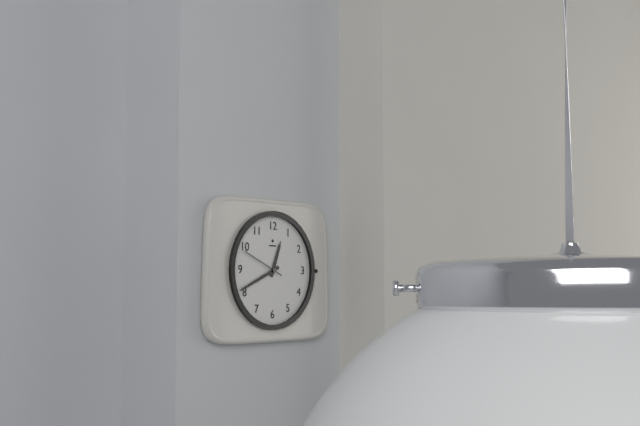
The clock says 12:41
